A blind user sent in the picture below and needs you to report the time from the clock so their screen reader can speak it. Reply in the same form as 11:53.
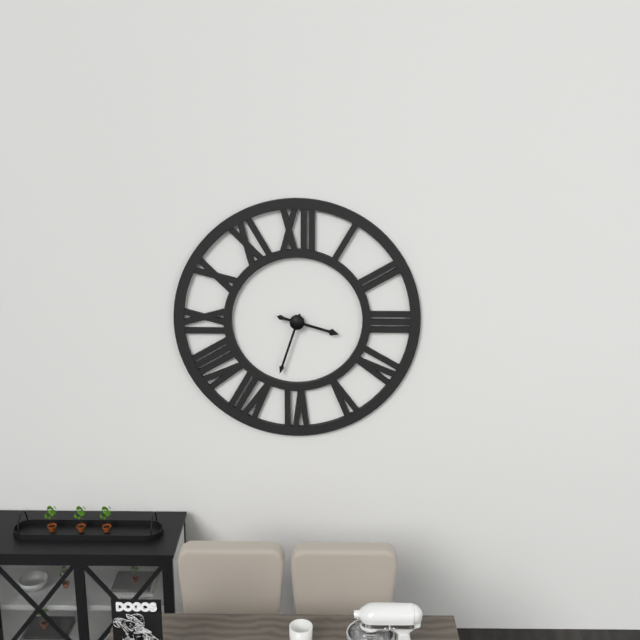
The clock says 3:33
